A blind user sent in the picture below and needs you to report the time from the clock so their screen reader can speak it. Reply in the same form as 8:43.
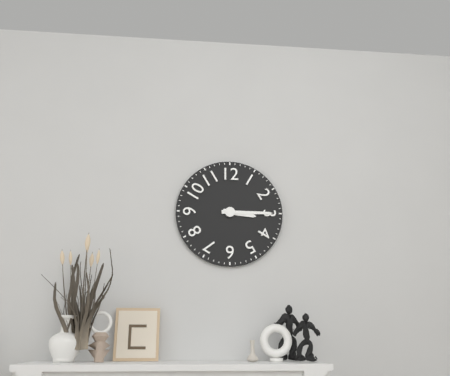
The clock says 3:15
